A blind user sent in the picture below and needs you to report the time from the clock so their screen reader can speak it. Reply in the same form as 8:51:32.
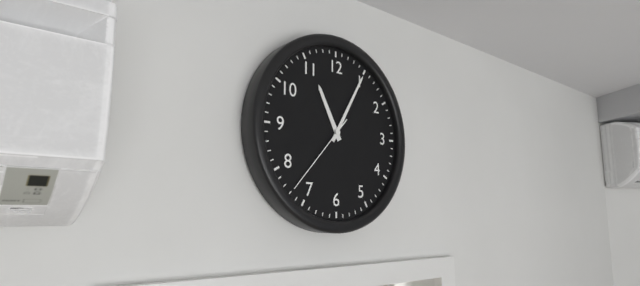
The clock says 11:05:37
